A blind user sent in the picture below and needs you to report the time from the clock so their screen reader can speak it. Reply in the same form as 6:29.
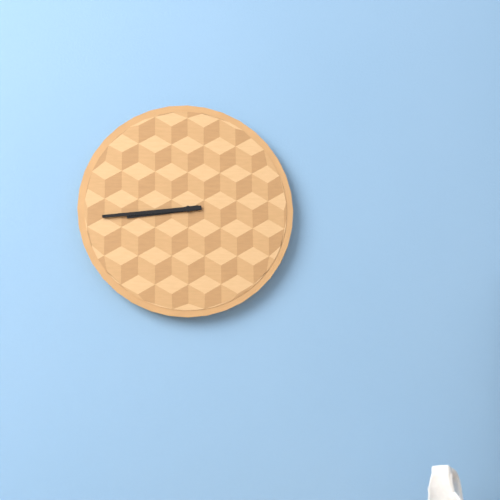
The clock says 8:44
